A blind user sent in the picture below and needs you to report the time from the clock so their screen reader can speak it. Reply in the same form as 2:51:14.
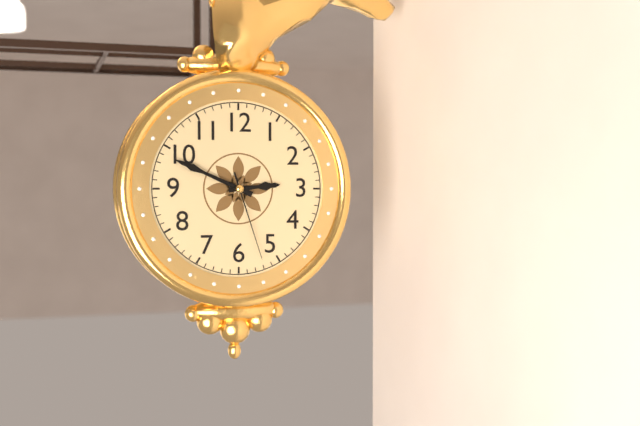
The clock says 2:49:27
